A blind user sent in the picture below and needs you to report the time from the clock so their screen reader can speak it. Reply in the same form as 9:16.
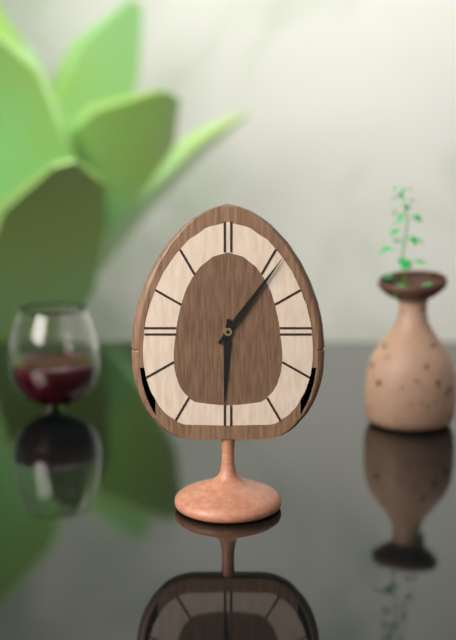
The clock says 6:06
